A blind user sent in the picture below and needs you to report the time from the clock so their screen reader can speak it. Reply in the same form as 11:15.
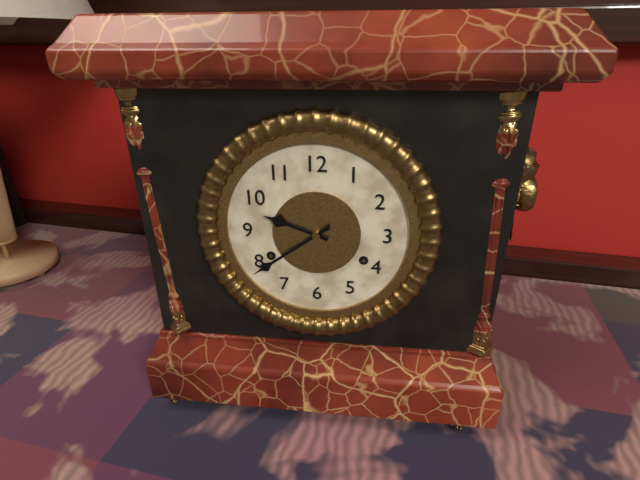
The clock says 9:39
